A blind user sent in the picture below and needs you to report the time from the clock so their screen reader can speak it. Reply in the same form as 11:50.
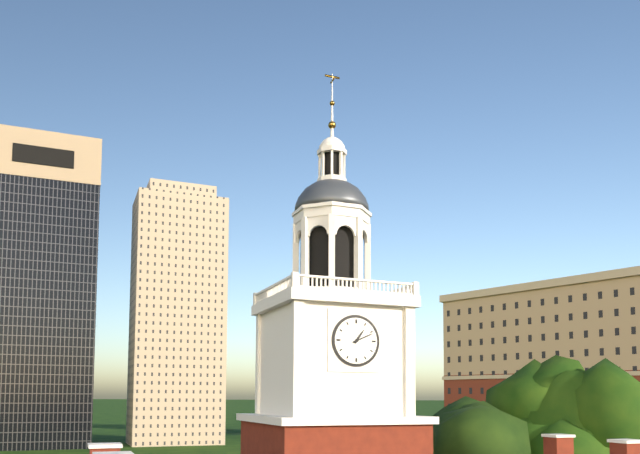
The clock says 1:11
